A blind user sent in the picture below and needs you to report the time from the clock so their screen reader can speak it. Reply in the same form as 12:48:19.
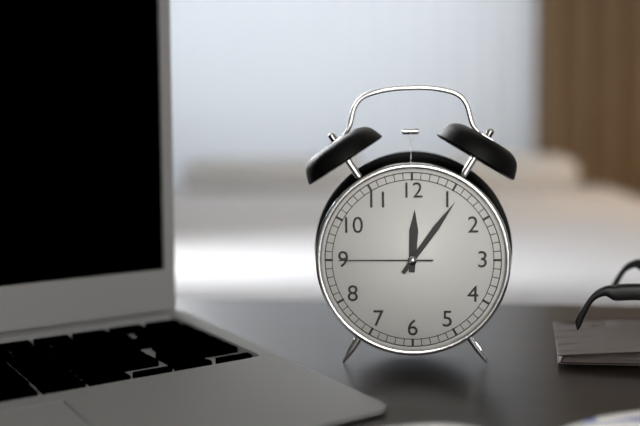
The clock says 12:06:45
